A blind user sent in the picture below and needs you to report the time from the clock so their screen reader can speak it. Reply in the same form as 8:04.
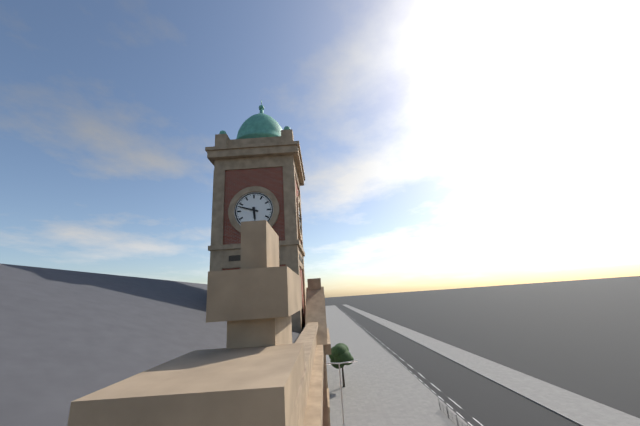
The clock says 5:48
